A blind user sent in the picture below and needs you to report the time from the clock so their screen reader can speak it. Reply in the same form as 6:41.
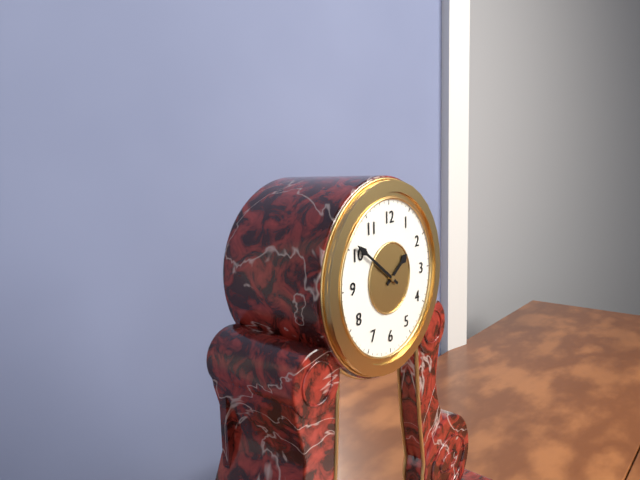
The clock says 1:51
